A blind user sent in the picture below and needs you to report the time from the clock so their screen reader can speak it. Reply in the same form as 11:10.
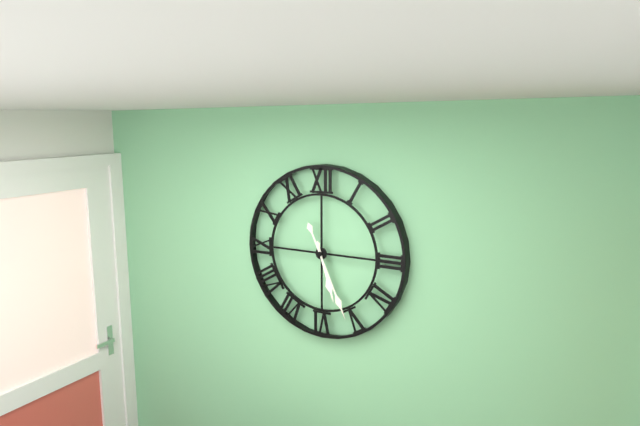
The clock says 5:26
